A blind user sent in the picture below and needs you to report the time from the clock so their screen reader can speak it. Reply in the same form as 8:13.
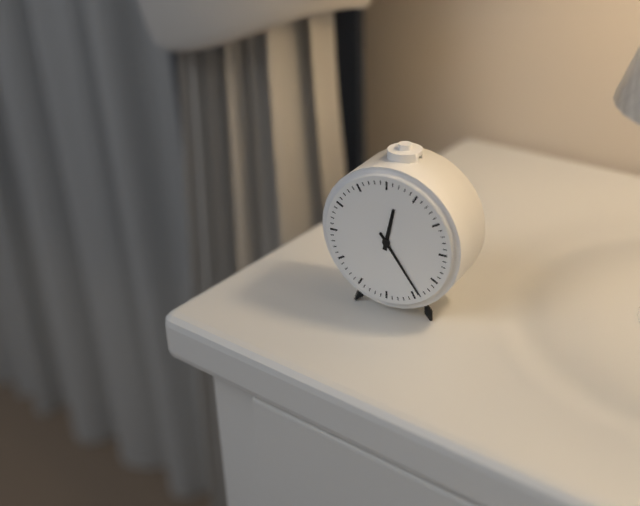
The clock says 12:24
